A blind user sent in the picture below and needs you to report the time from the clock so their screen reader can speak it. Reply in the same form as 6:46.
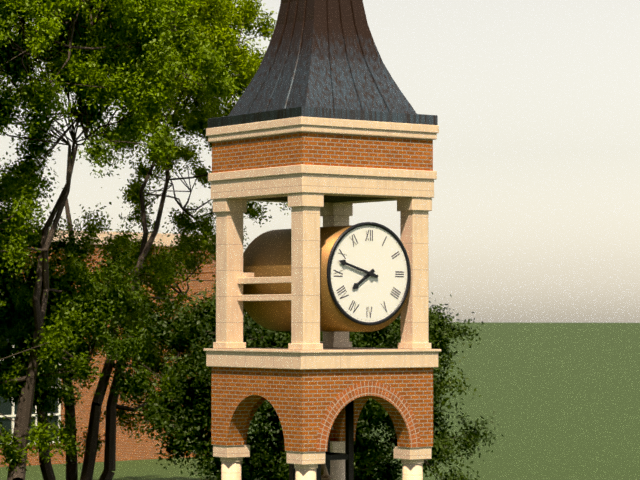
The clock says 7:48
